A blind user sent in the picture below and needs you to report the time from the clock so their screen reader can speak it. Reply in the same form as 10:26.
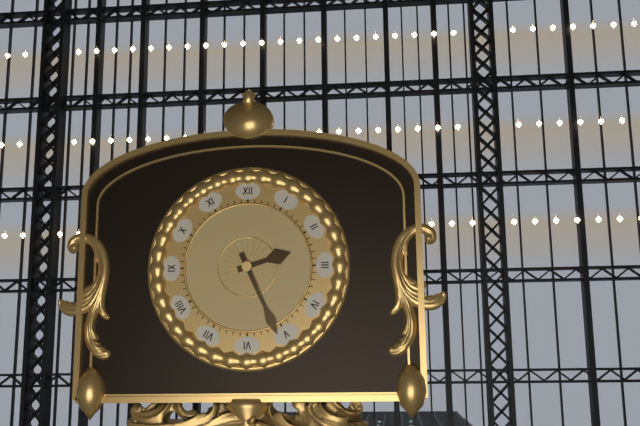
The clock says 2:26
